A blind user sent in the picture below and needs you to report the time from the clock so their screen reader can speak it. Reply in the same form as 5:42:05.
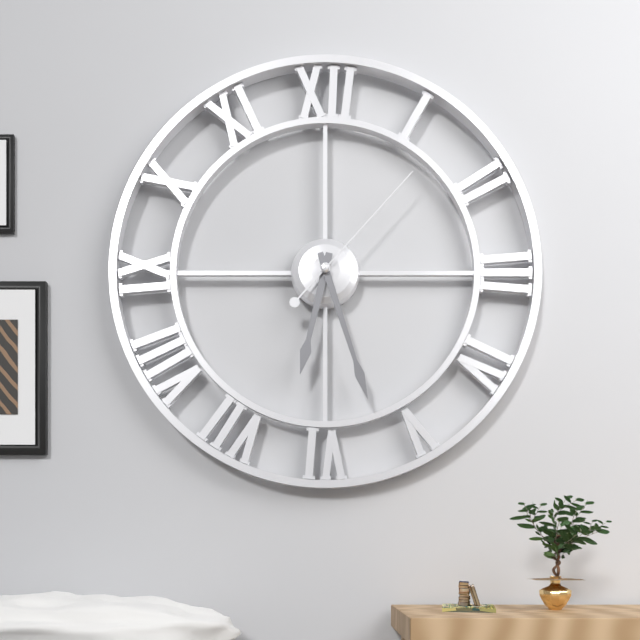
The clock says 6:27:07
